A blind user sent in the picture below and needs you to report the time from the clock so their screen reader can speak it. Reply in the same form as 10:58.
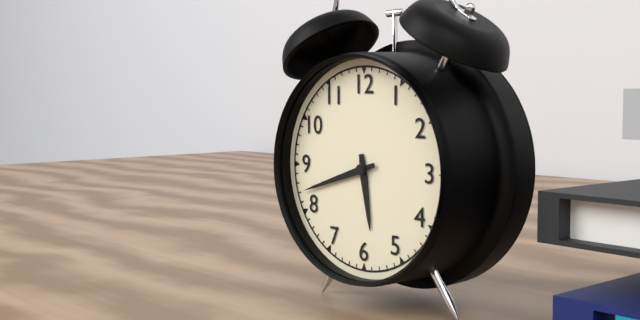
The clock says 5:42
